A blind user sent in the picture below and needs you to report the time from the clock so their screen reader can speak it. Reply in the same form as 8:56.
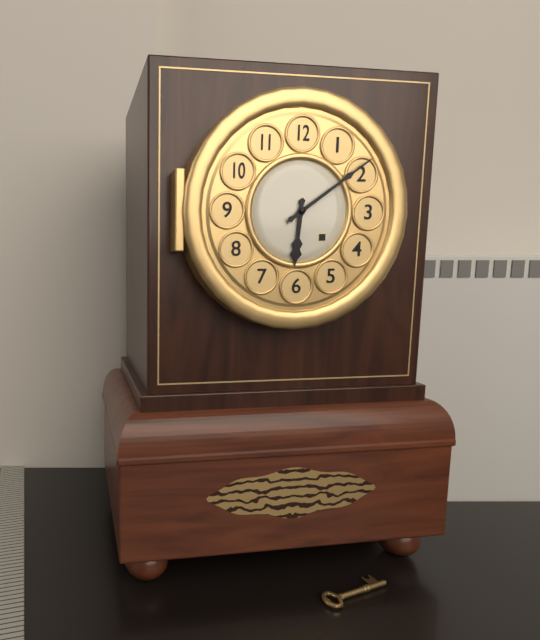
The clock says 6:09
